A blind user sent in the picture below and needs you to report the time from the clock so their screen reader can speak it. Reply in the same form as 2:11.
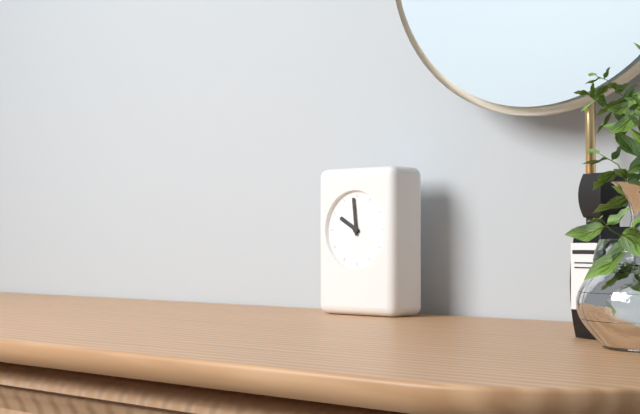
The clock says 9:59
